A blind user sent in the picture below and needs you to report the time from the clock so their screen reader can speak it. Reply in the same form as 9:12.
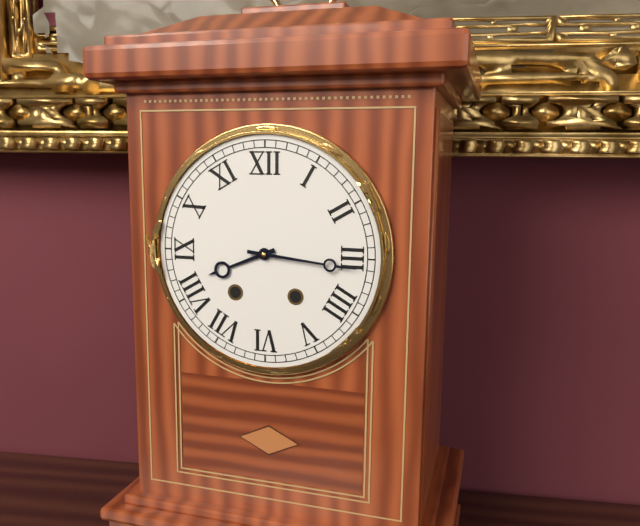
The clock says 8:16
